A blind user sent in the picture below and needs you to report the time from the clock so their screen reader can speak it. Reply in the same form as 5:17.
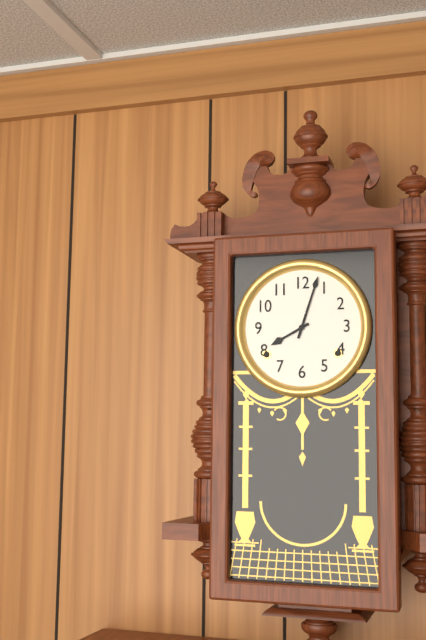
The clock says 8:03
